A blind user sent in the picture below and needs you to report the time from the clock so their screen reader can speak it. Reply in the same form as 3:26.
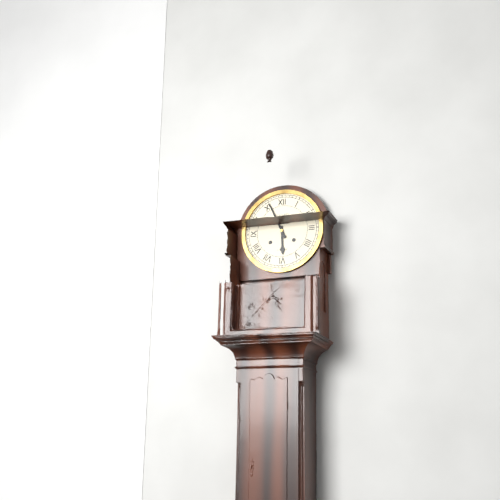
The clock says 5:56
